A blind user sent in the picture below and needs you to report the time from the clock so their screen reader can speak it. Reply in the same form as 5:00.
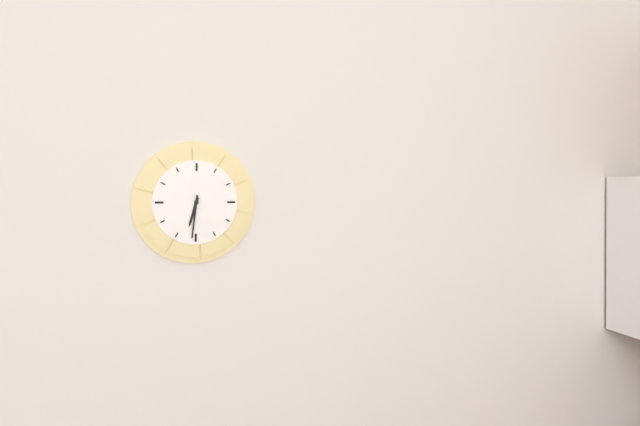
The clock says 6:31
